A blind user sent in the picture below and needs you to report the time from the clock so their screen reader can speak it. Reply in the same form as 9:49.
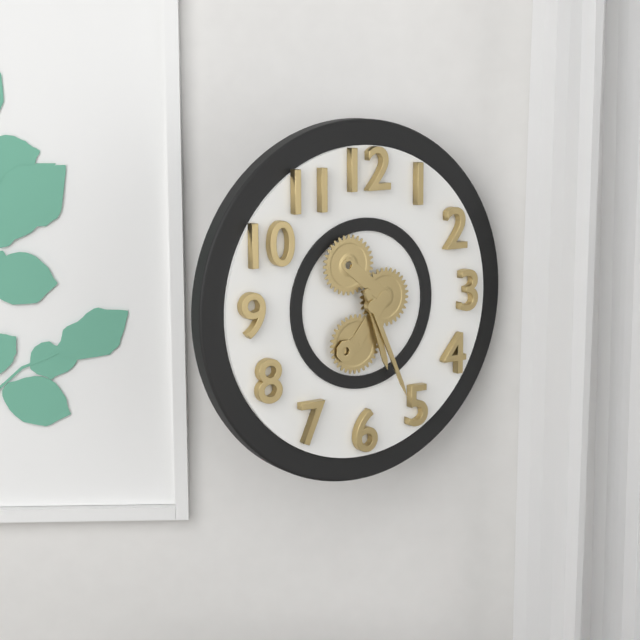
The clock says 5:26
